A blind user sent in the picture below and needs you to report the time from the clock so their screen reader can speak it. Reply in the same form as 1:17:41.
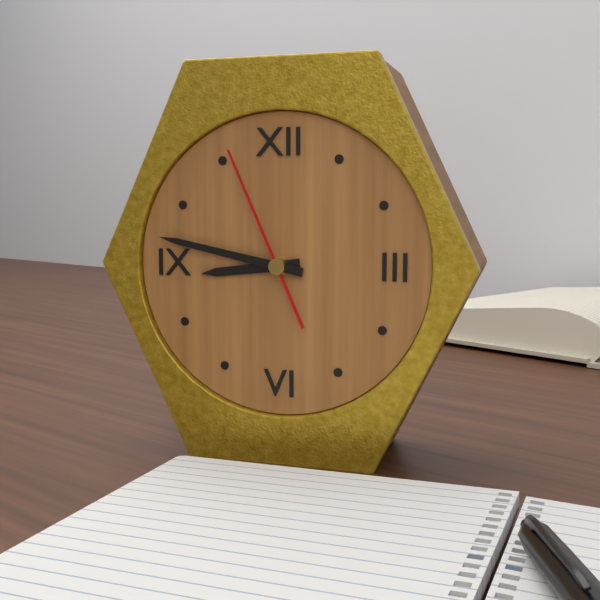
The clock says 8:47:56
